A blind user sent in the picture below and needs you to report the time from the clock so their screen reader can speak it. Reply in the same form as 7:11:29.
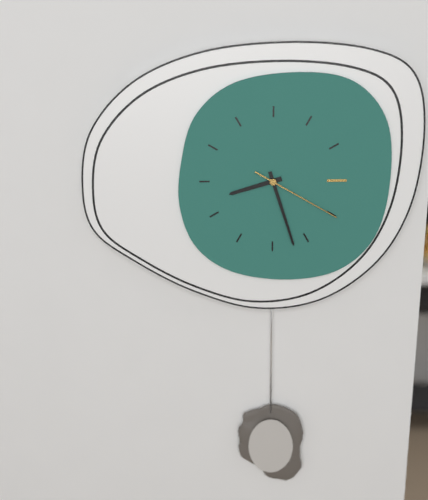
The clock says 8:27:20
